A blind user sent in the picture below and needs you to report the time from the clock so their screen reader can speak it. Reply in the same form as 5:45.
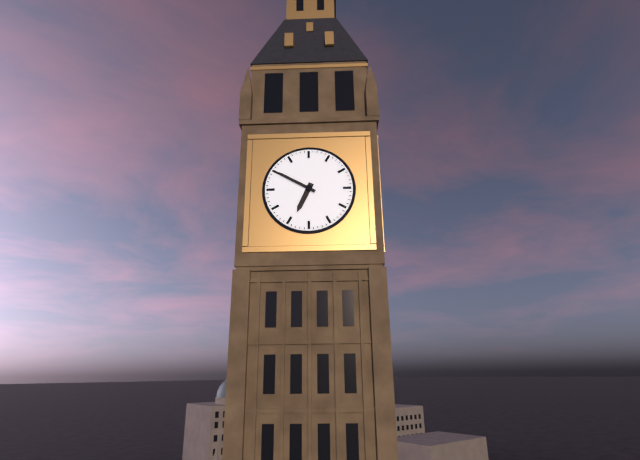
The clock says 6:50
